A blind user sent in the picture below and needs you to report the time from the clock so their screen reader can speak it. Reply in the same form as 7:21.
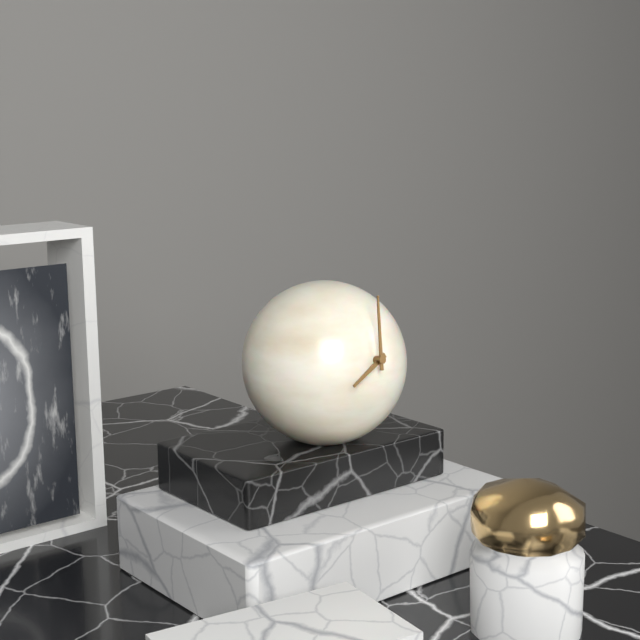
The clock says 8:01
